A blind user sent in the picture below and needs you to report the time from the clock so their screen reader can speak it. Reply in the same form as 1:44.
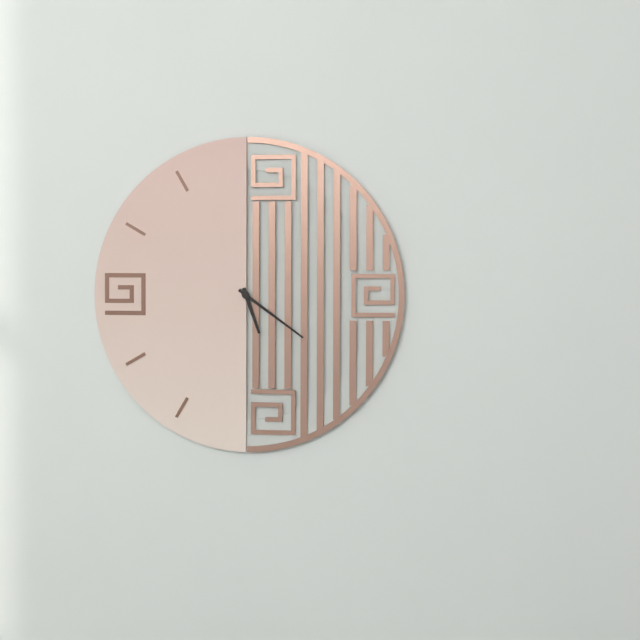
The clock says 5:21
